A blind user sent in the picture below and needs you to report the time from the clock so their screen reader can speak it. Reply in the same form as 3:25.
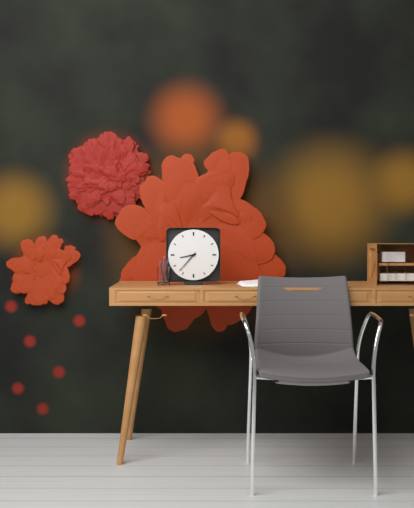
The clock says 8:37
